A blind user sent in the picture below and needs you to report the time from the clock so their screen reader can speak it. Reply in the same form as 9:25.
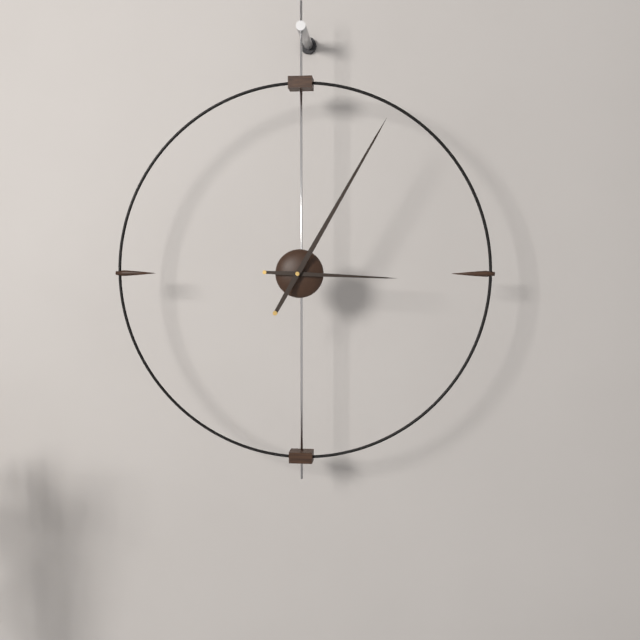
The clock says 3:05
